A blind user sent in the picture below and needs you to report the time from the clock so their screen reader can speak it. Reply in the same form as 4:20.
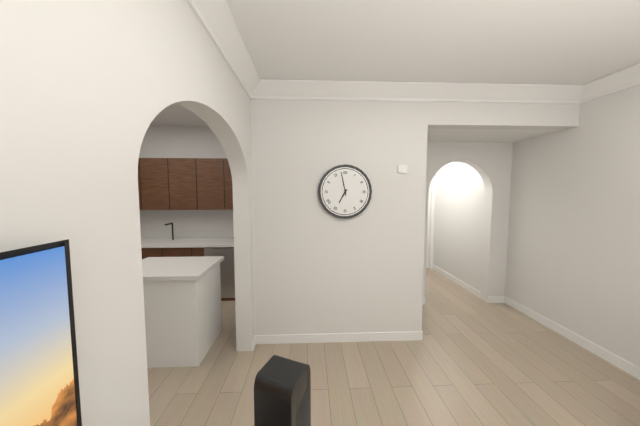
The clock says 6:58
